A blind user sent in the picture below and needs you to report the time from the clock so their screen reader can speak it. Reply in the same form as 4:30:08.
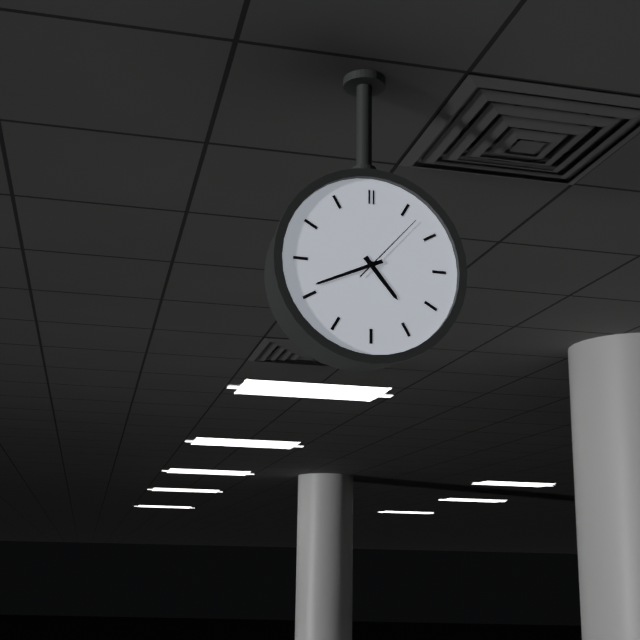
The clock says 4:41:07
